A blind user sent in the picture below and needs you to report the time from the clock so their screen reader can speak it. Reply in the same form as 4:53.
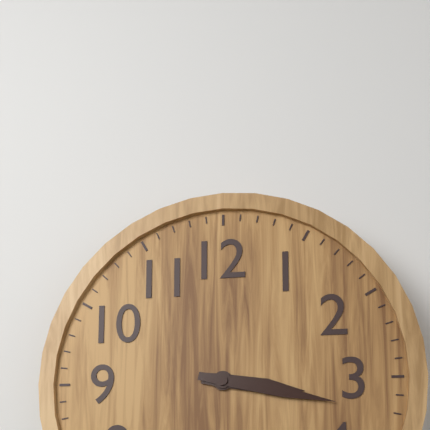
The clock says 3:17
